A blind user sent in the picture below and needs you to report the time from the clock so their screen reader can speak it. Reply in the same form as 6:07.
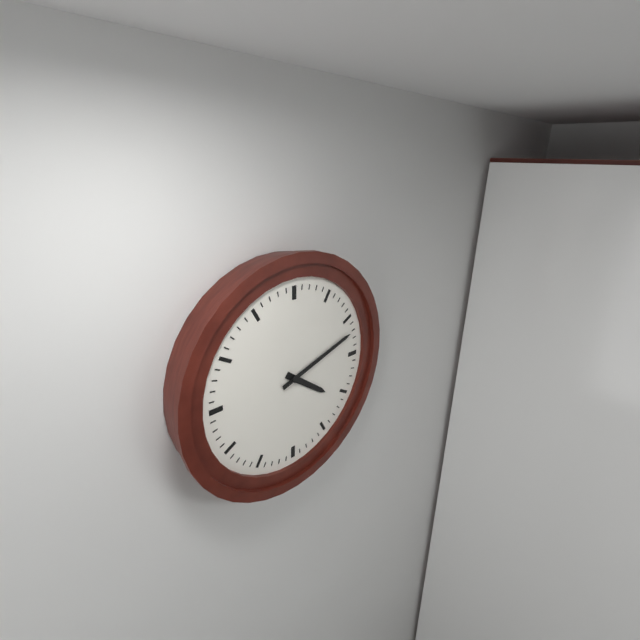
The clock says 4:12
